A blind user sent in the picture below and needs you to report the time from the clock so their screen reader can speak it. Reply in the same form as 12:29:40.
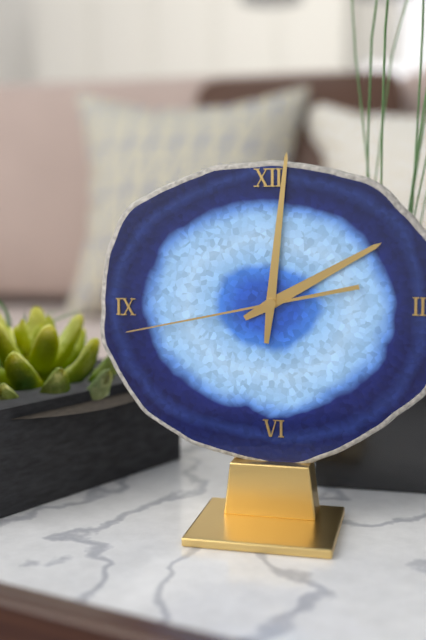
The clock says 2:01:43
